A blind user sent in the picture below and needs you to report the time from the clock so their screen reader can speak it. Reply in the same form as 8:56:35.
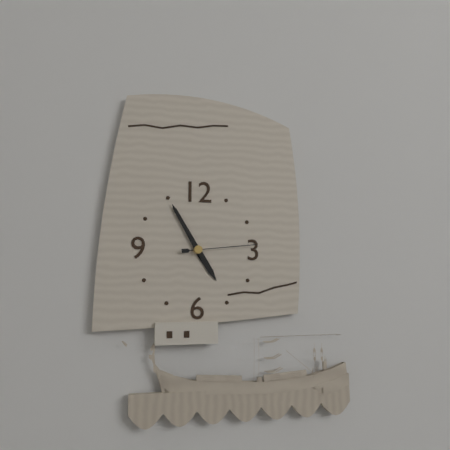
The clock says 4:55:14
